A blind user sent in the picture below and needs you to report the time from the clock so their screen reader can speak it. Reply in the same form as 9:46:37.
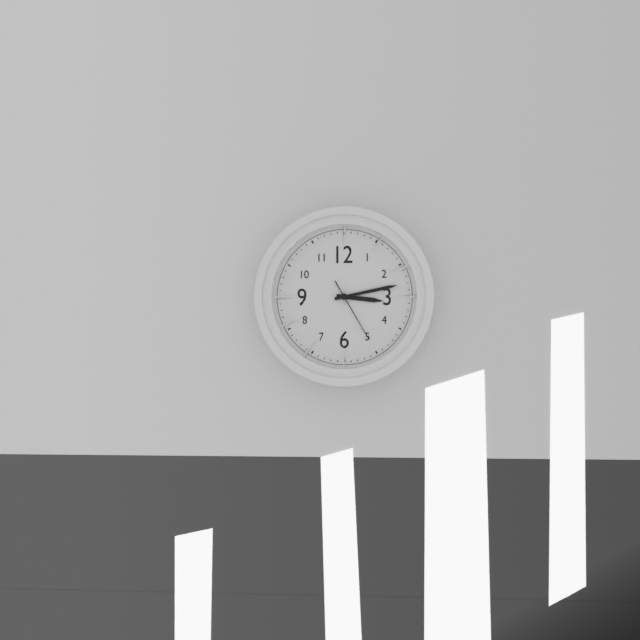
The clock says 3:13:25
